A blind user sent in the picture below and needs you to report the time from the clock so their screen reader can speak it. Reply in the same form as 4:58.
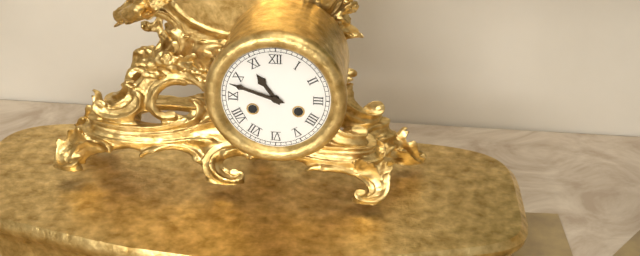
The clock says 10:48
